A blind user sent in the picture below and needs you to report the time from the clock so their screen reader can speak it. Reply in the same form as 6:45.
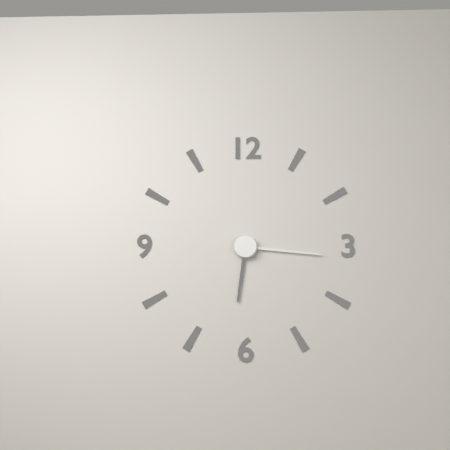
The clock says 6:16
